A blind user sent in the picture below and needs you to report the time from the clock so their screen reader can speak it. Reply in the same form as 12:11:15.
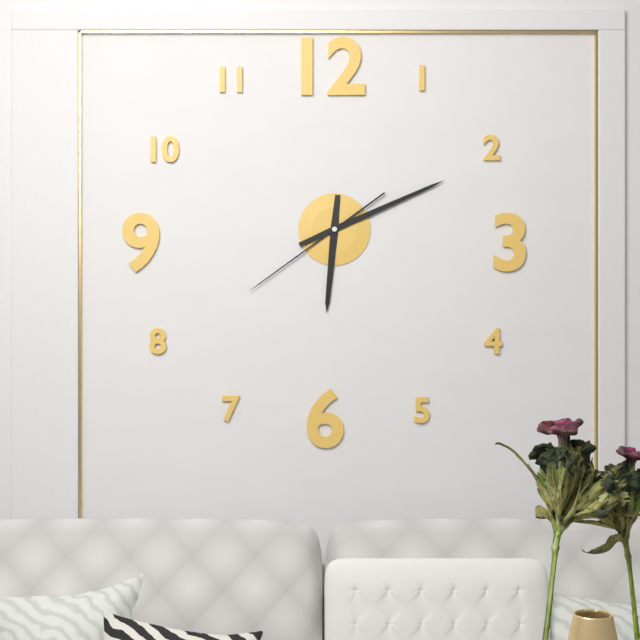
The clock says 6:11:39
